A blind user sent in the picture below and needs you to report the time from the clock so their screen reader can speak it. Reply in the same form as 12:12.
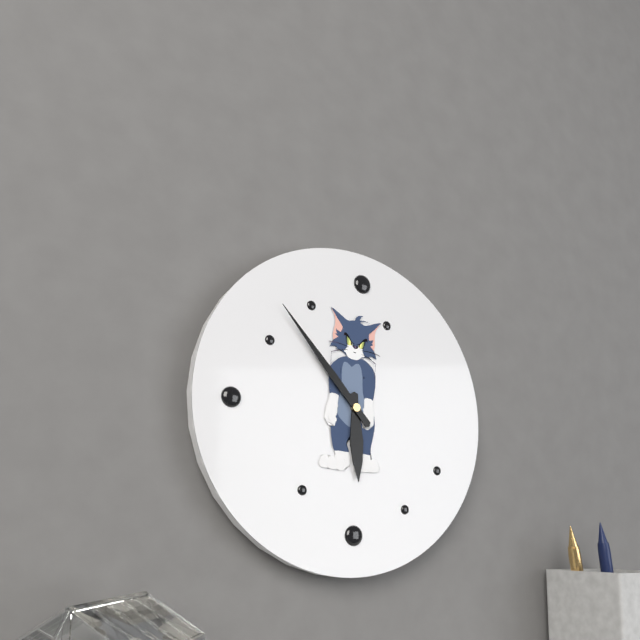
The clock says 5:53
